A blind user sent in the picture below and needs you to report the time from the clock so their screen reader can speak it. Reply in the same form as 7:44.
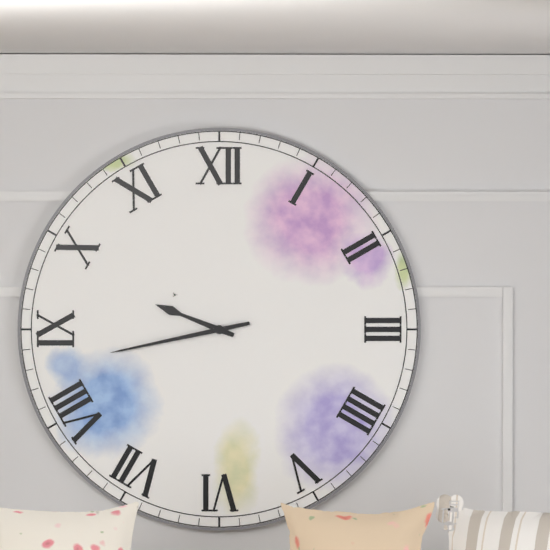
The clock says 9:43
